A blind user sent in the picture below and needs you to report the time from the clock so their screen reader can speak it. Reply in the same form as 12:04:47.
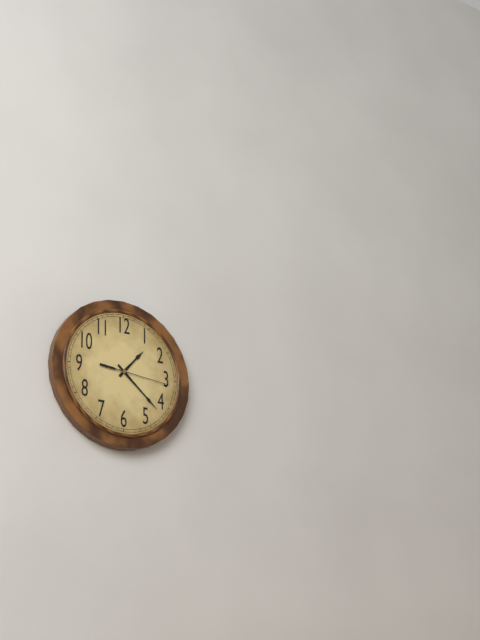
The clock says 1:22:16
